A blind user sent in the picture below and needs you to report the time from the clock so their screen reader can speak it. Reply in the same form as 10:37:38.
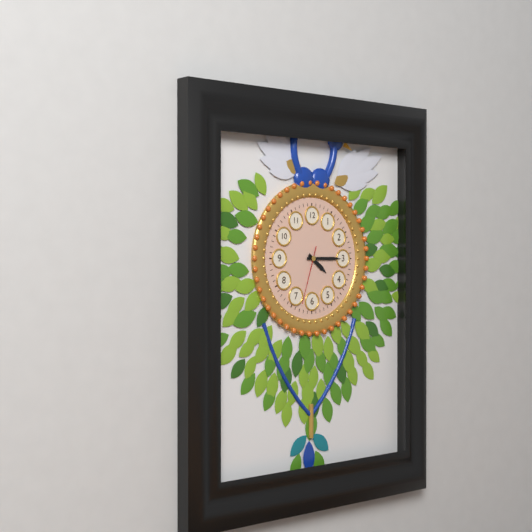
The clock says 4:15:33
